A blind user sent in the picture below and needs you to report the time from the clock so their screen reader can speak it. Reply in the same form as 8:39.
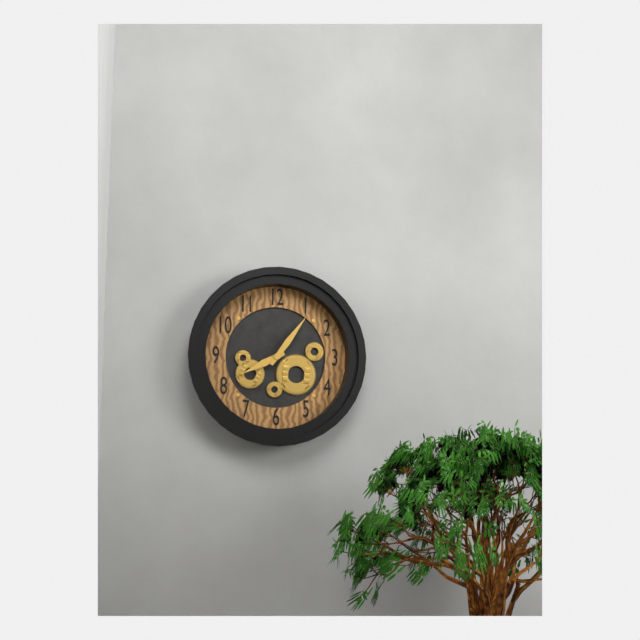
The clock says 8:06
